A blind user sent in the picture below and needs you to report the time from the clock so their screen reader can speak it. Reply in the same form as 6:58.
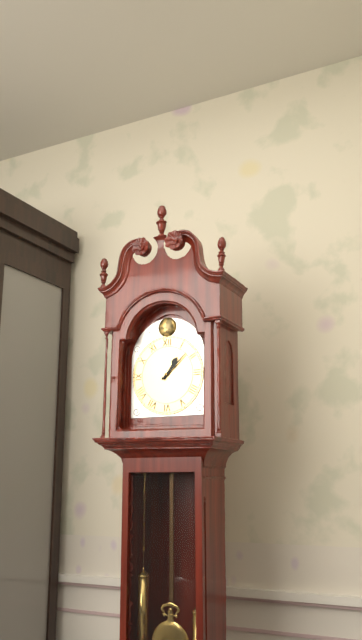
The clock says 1:08
